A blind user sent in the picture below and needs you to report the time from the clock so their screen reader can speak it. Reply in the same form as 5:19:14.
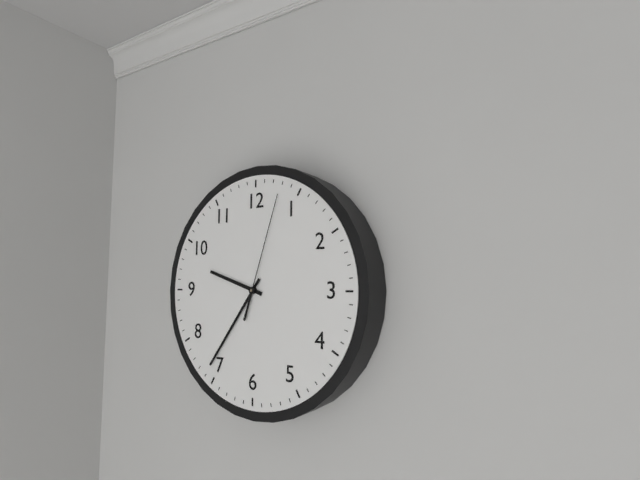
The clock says 9:36:03
